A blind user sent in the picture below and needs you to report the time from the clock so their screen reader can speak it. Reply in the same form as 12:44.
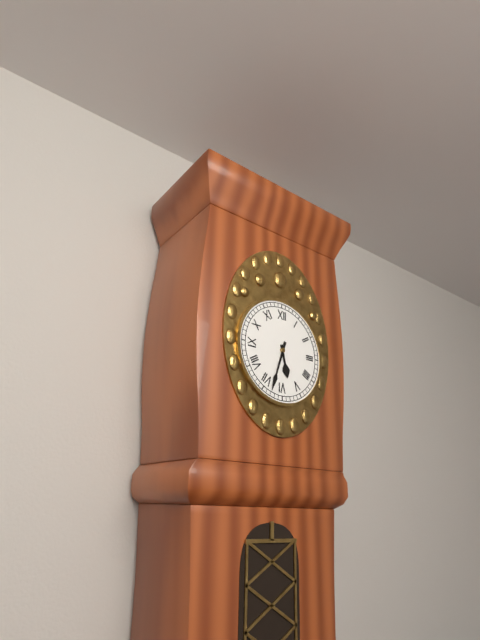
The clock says 5:33
